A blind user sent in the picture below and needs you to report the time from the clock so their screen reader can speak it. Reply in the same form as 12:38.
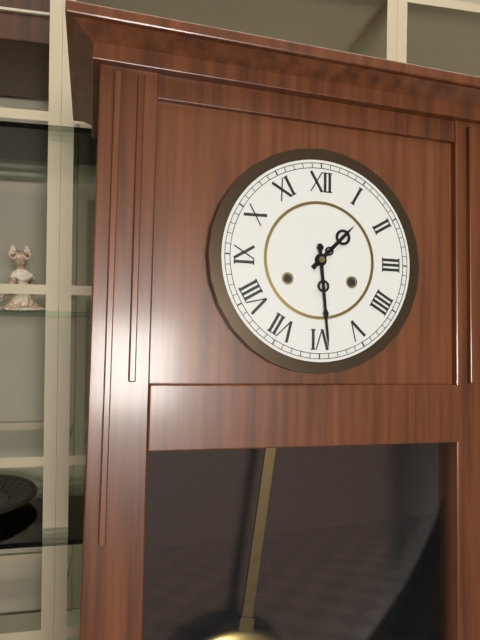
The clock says 1:29
